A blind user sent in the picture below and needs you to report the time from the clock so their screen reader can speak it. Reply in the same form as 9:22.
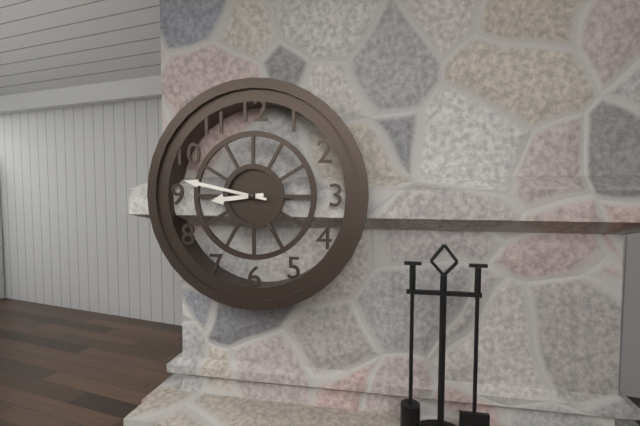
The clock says 8:47
